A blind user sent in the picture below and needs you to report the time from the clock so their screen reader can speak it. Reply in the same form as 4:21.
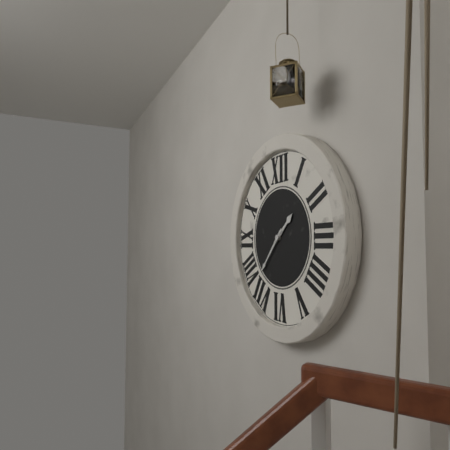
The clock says 1:37
